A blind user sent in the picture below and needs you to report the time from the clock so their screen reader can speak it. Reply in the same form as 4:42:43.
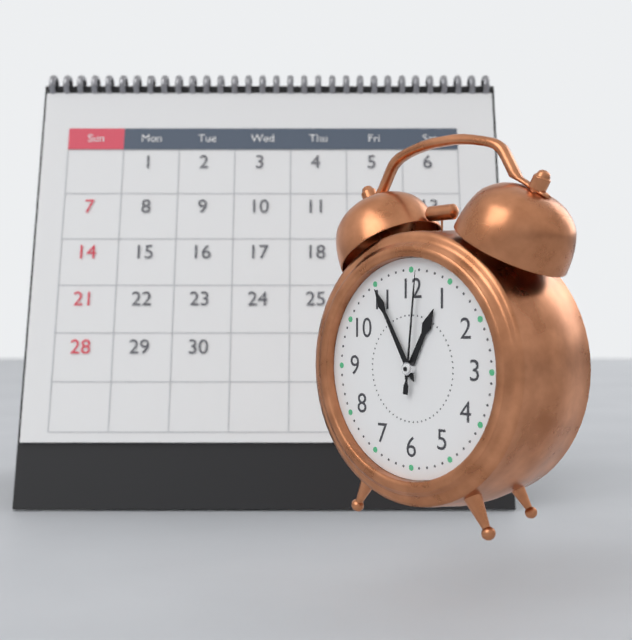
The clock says 12:55:01
